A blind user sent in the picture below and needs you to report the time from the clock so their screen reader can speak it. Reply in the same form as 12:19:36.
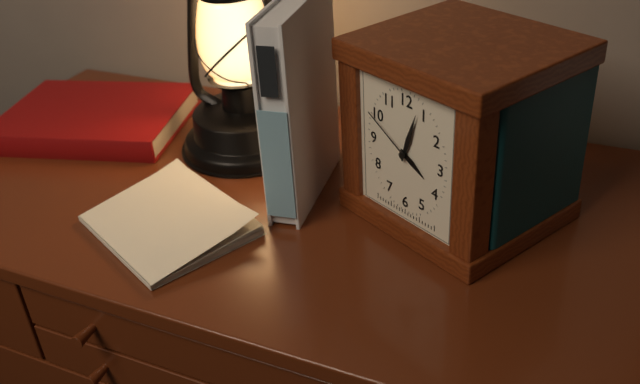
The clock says 4:03:50
